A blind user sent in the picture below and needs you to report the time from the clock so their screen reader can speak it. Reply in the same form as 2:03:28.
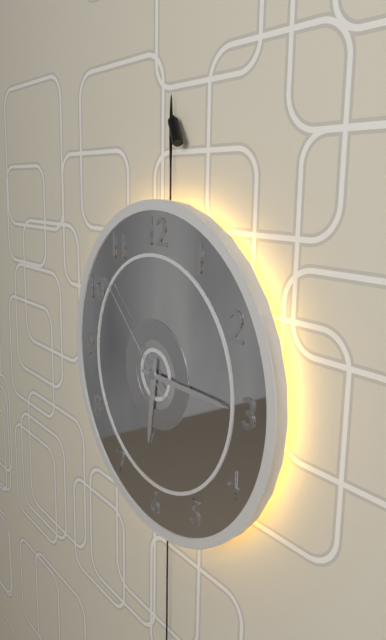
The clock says 6:15:52
